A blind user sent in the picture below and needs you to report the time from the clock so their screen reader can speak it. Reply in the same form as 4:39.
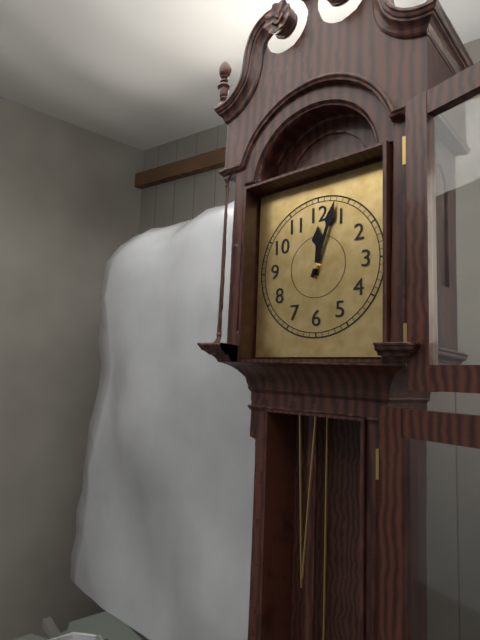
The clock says 12:03
